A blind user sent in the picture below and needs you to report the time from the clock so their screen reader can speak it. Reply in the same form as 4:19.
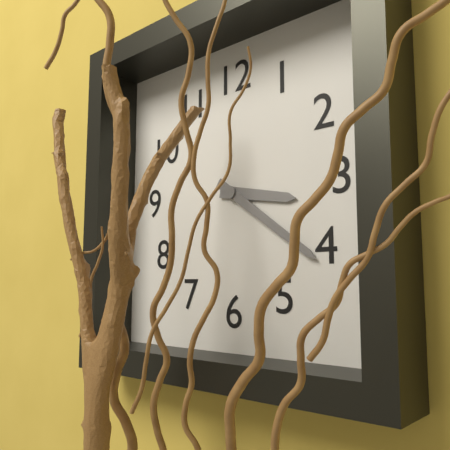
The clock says 3:21
